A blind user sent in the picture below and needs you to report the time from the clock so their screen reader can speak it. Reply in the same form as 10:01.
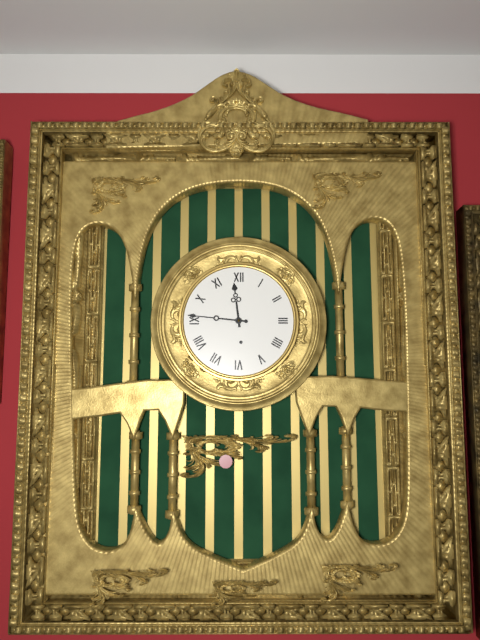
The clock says 11:46
